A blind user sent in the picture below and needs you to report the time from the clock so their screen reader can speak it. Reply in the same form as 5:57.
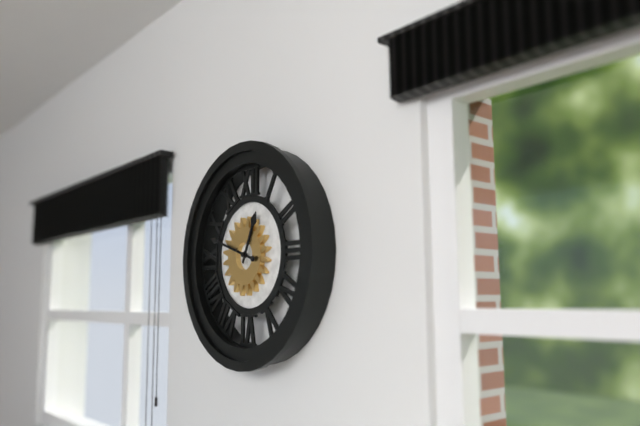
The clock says 12:48
